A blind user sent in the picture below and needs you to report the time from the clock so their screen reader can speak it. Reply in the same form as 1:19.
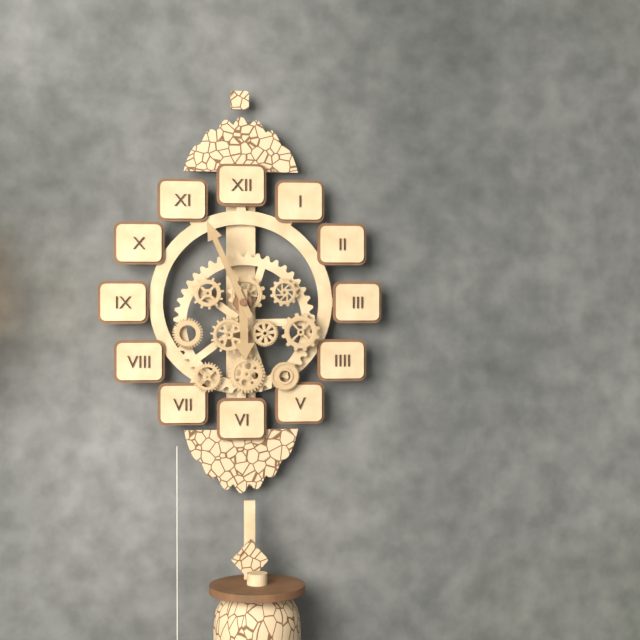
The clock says 5:56
